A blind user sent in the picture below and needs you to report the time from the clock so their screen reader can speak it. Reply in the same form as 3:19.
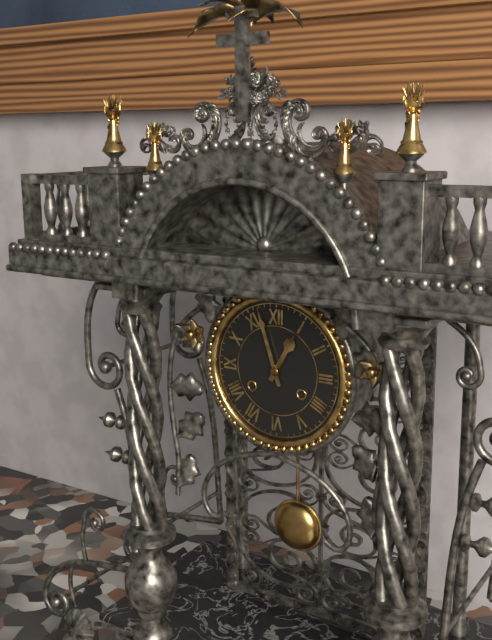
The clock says 12:57
